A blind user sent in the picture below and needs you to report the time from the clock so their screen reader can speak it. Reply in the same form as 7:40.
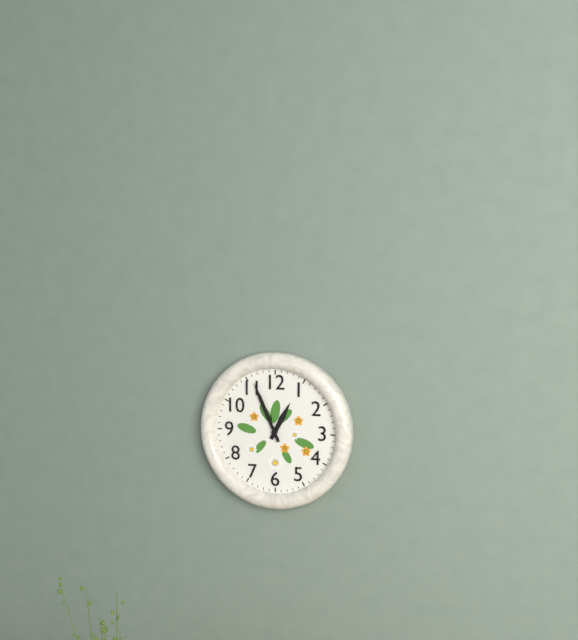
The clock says 12:56
